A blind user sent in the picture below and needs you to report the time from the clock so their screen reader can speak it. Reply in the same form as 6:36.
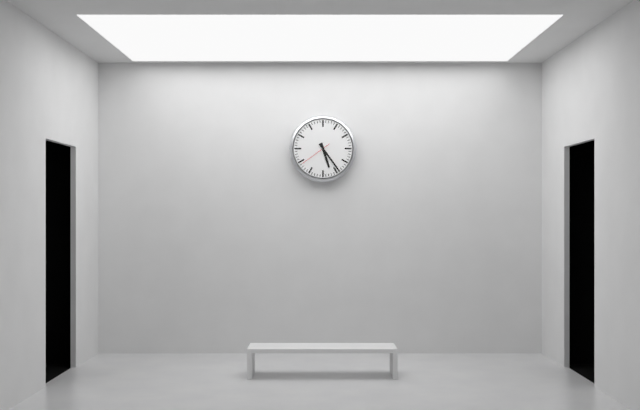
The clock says 5:24
